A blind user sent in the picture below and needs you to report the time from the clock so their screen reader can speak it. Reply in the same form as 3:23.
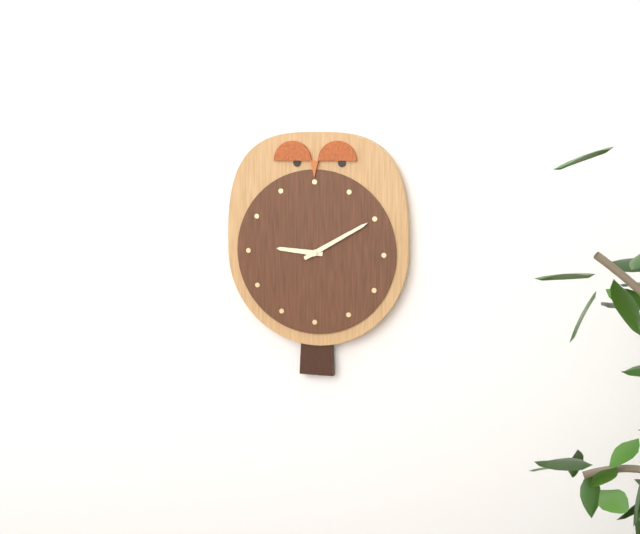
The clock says 9:10
